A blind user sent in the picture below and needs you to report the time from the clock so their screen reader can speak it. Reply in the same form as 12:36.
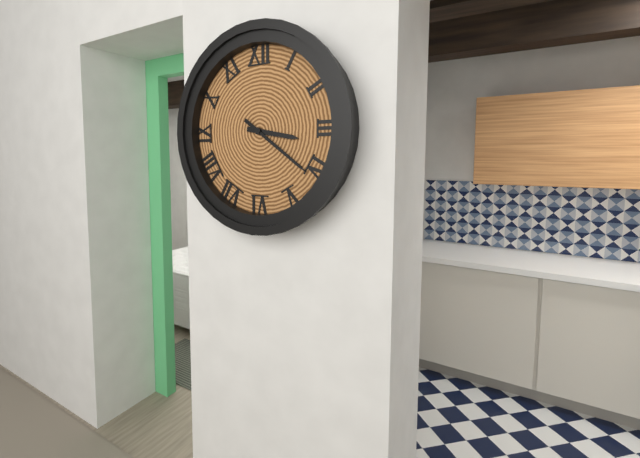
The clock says 3:21
